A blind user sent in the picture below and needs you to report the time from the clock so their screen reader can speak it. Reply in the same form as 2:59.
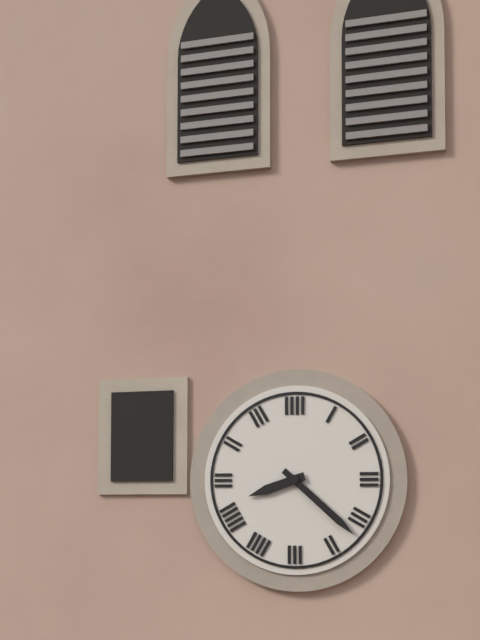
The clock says 8:22
